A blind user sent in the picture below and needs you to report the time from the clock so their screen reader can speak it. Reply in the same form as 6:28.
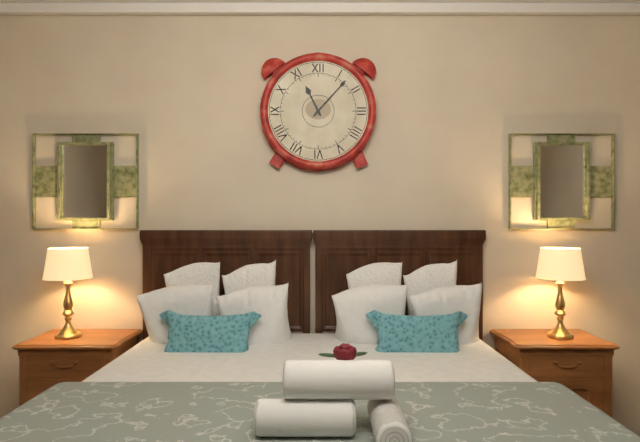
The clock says 11:07
